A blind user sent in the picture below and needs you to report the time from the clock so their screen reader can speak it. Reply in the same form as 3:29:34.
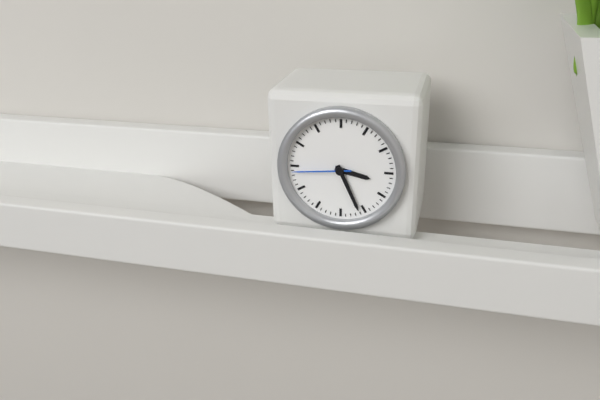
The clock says 3:26:44
